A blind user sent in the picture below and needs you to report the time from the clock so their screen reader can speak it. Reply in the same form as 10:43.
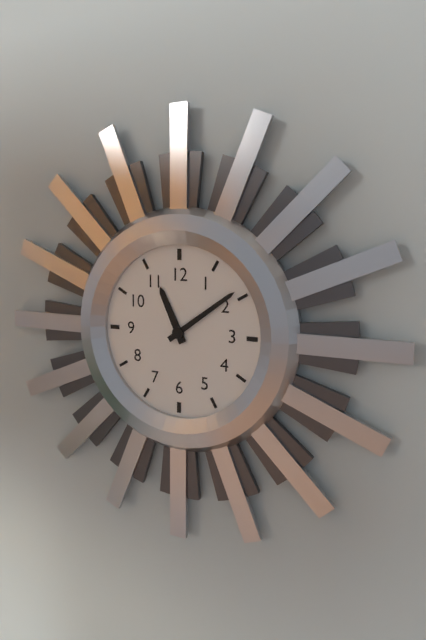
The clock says 11:09
